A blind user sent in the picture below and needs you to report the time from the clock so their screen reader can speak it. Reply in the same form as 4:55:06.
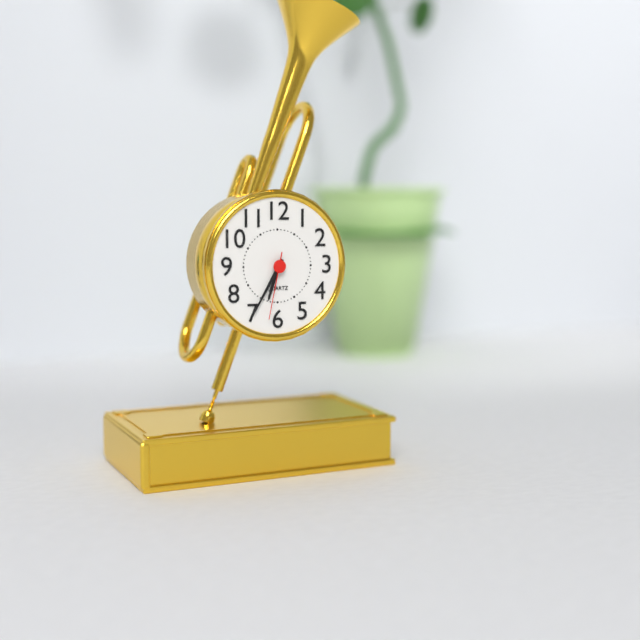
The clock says 6:35:32
